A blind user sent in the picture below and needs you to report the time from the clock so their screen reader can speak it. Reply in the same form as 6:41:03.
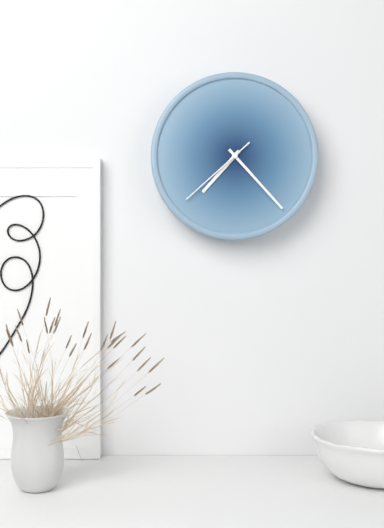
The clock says 7:23:38
